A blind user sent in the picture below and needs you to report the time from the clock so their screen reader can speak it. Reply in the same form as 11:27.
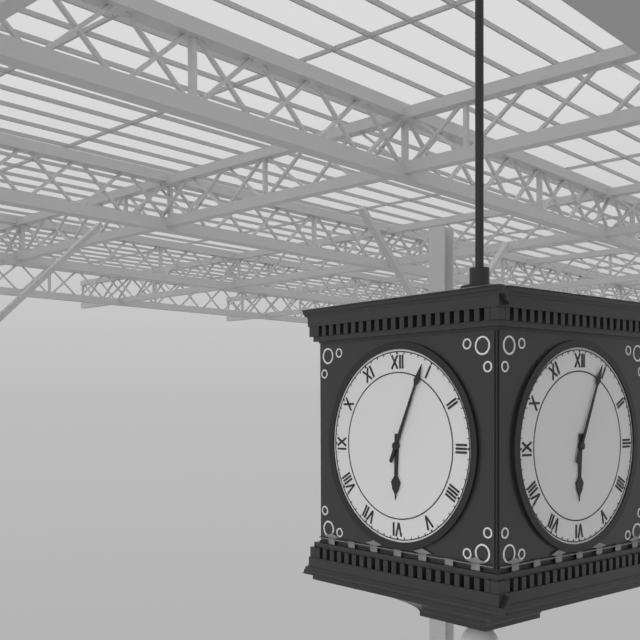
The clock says 6:04
